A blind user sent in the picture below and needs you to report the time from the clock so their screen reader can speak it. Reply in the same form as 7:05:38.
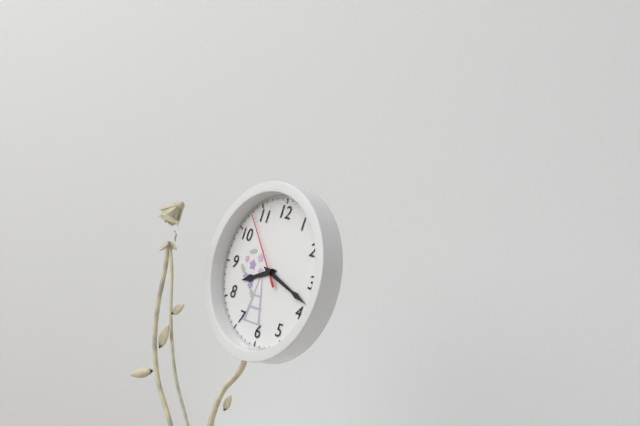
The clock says 8:18:53
